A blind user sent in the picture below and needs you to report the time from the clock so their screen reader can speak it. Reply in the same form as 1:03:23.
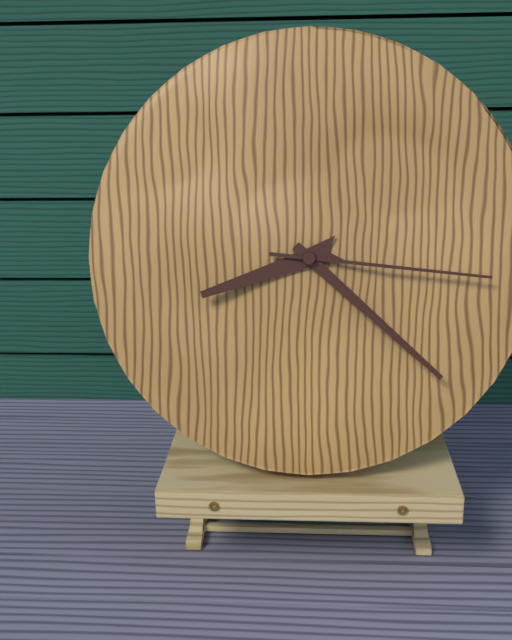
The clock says 8:22:16
